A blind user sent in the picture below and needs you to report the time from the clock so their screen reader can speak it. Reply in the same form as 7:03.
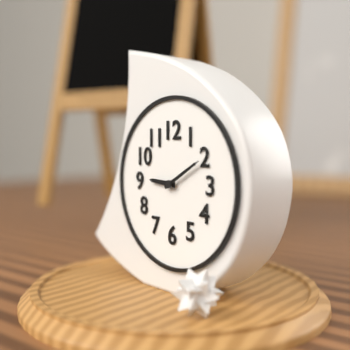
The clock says 9:10
